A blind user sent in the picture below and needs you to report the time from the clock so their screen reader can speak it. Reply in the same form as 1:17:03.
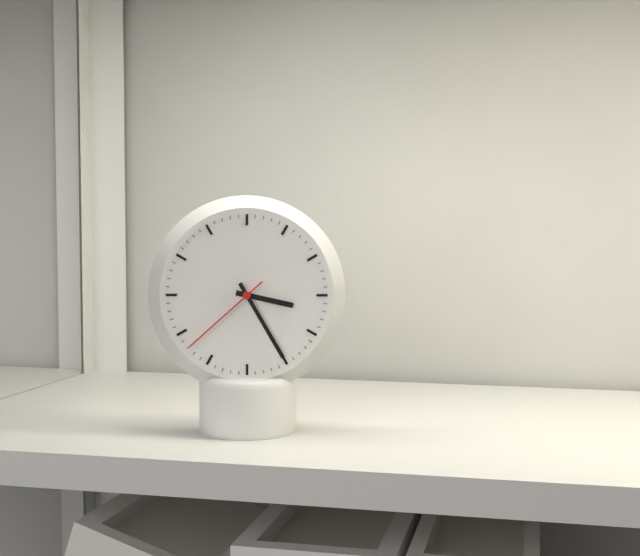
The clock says 3:25:38
